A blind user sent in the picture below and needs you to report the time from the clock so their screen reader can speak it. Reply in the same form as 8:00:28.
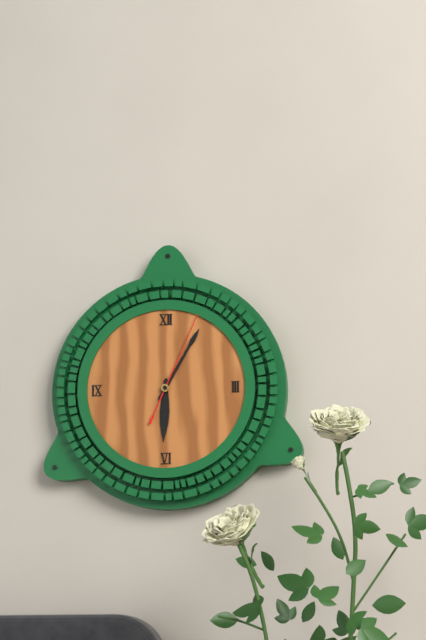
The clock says 6:05:04
